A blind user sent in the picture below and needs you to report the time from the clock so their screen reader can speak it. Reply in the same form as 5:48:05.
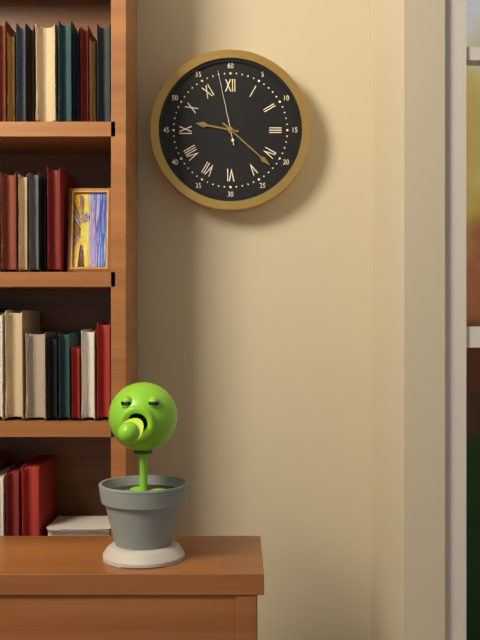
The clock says 9:22:58
